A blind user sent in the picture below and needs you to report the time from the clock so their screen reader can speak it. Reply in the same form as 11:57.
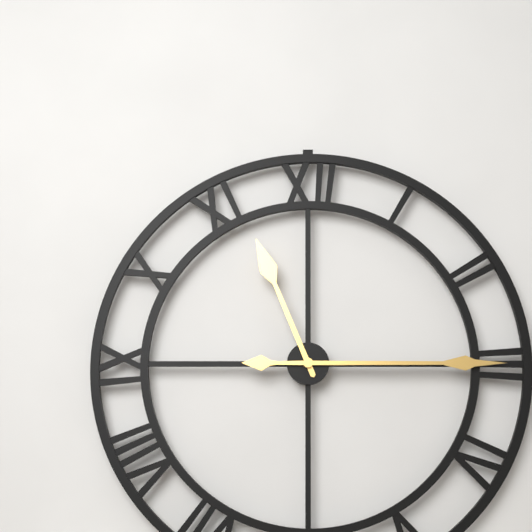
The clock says 11:15
